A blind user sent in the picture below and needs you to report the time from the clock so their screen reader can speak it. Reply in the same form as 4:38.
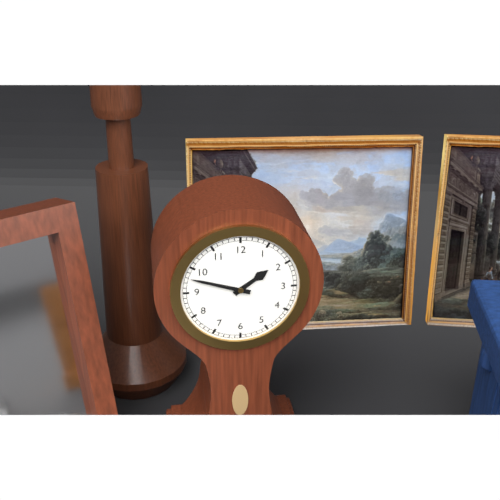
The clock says 1:48
